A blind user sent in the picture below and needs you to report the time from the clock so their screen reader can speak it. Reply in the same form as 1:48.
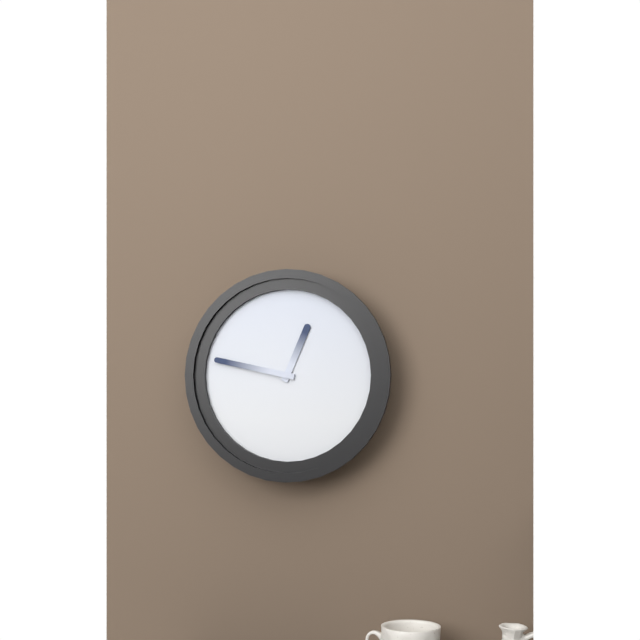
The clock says 12:47
